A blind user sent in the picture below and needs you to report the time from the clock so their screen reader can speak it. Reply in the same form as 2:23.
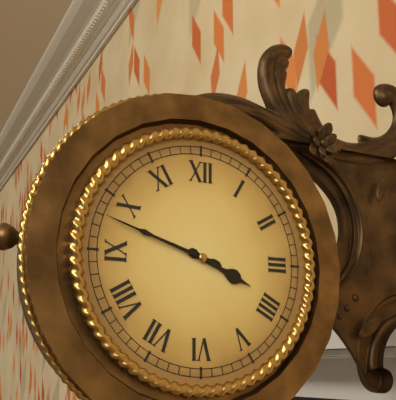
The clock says 3:48
